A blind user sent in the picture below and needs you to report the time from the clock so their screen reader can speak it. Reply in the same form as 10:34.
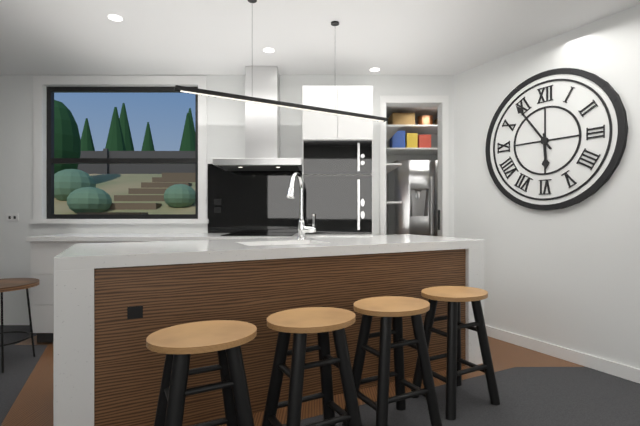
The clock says 5:54
